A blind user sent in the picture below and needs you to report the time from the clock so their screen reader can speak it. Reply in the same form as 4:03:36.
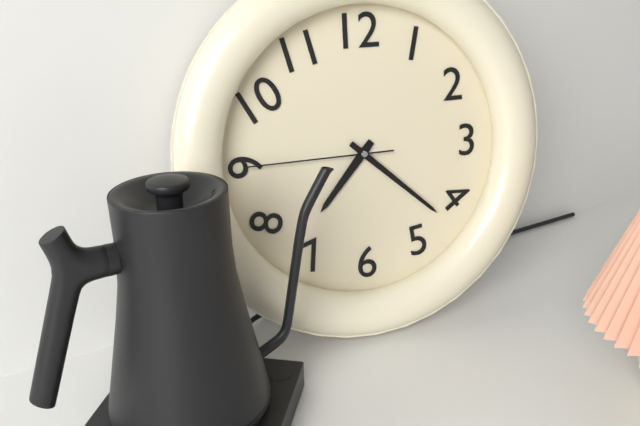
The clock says 7:22:45
